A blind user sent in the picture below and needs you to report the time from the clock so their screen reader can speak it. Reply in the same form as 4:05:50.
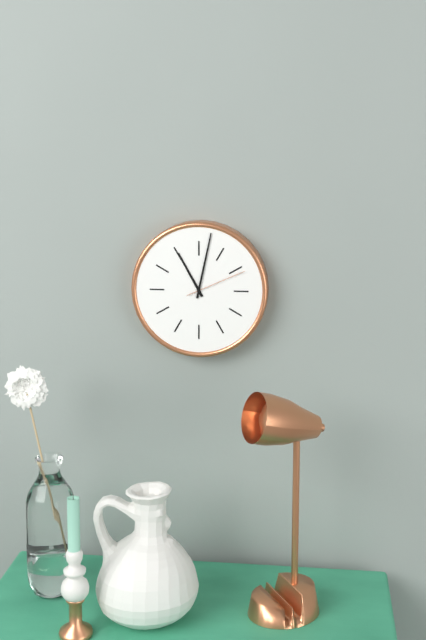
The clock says 11:02:11
